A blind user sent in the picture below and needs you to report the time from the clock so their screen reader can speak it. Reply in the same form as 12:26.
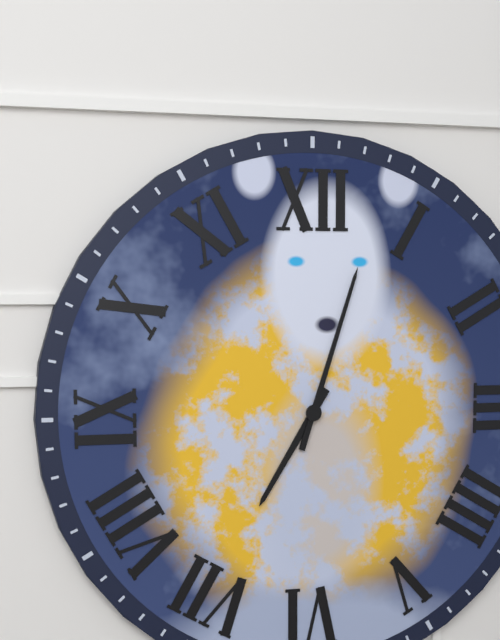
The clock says 7:03
